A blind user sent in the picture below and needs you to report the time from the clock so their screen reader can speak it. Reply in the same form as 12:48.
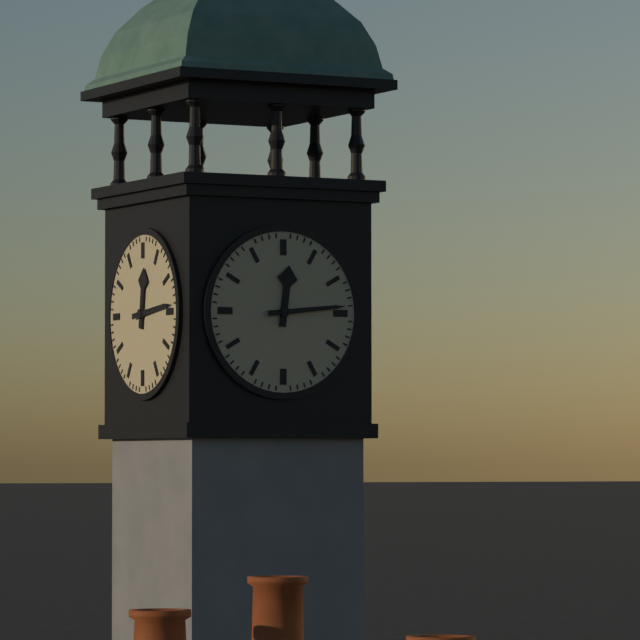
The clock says 12:14
